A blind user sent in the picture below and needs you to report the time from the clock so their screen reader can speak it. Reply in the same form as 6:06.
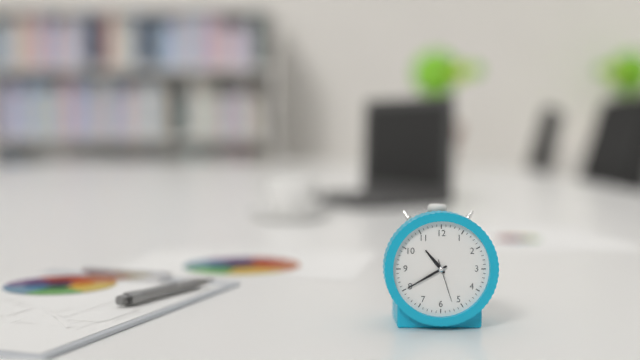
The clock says 10:40
